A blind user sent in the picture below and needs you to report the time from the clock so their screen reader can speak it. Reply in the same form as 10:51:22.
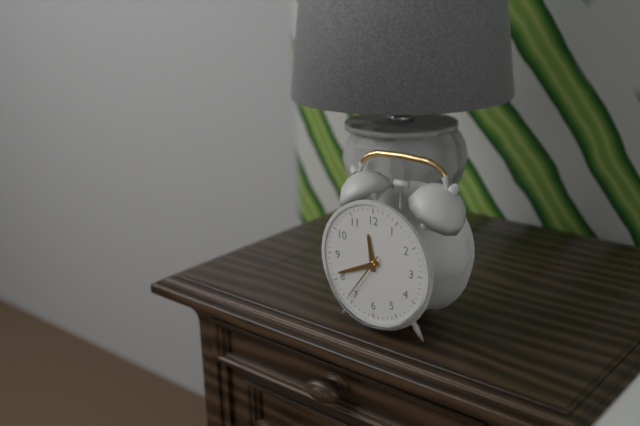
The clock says 11:41:36
